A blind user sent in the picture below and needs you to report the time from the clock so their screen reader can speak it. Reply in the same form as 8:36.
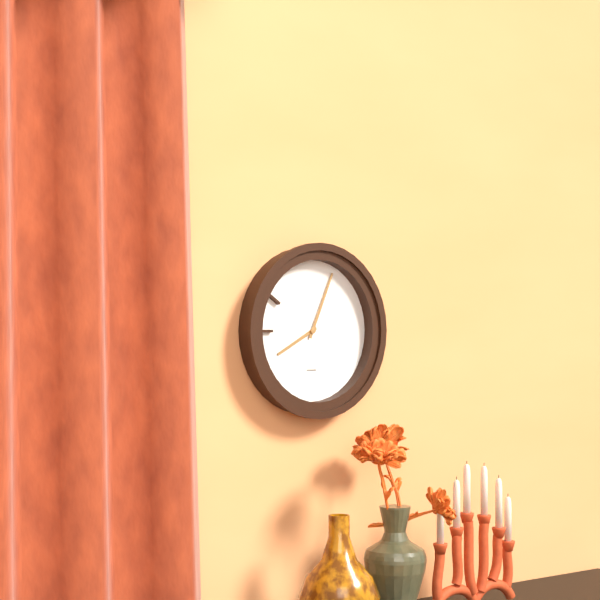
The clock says 8:04
